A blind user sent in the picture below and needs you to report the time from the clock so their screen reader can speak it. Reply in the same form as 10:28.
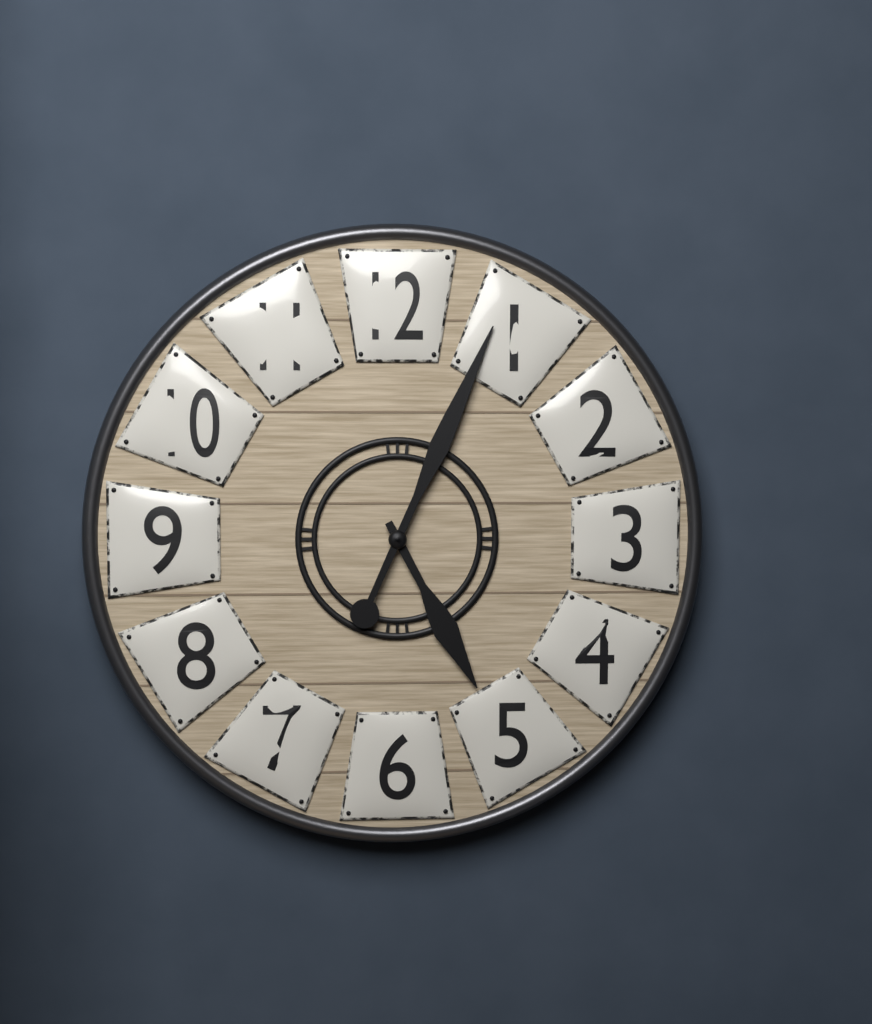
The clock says 5:04
